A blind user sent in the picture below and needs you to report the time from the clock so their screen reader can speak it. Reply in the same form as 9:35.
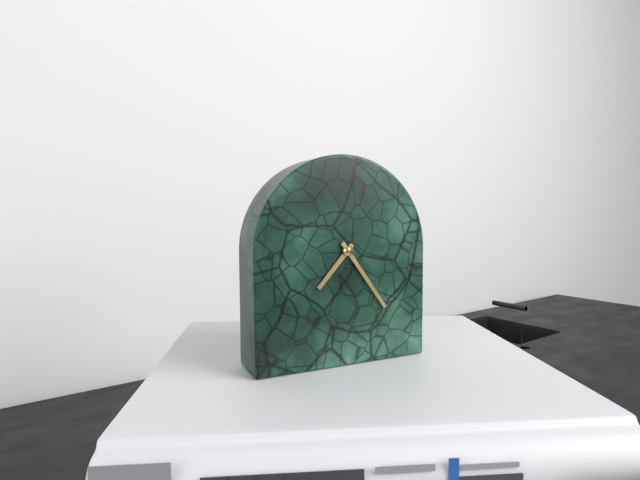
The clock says 7:24
